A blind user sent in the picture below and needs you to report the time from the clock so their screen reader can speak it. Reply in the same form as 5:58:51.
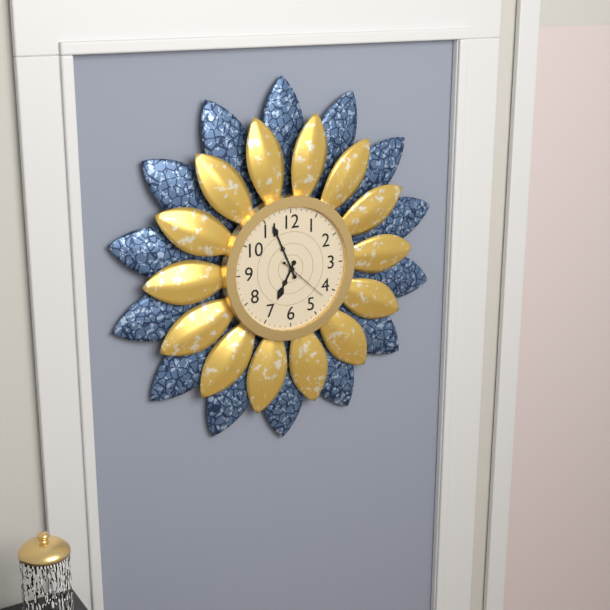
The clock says 6:56:22
